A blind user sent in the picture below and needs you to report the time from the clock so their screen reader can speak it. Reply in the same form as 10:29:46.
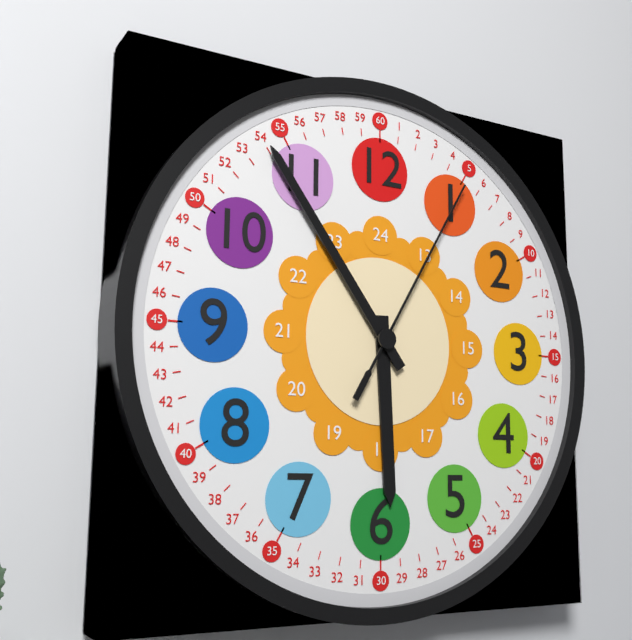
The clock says 5:54:05
